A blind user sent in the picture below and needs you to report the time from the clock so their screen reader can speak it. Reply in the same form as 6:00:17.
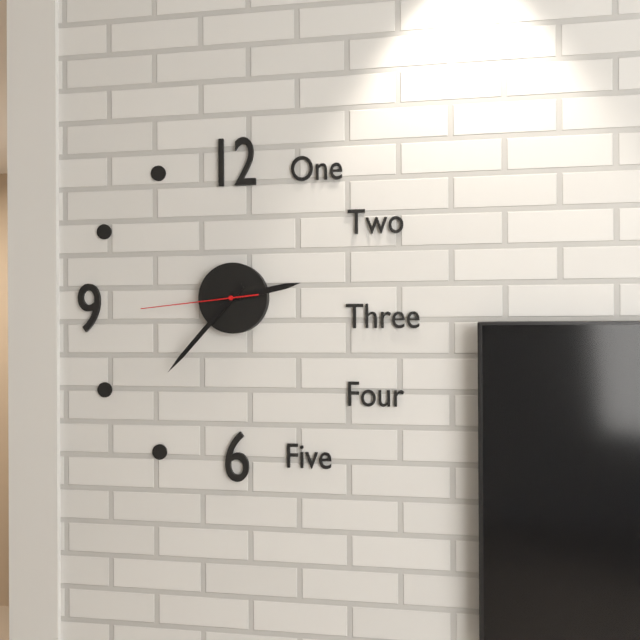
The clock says 2:37:44
